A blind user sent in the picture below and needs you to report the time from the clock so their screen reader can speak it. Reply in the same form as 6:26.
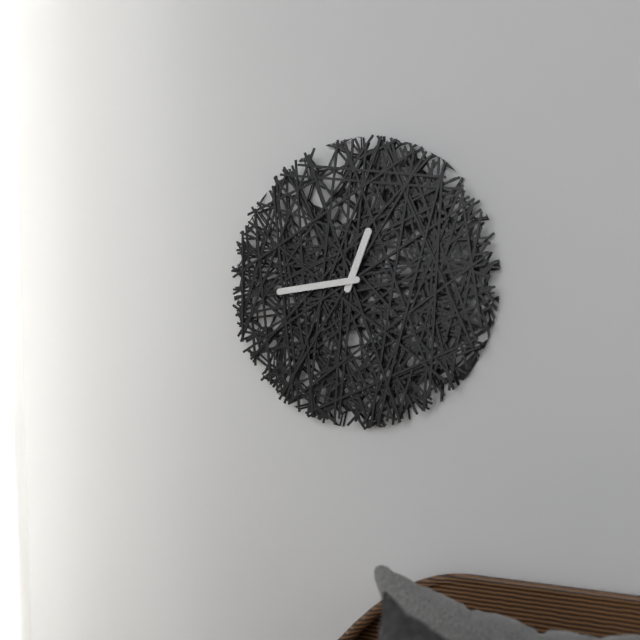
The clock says 12:44
